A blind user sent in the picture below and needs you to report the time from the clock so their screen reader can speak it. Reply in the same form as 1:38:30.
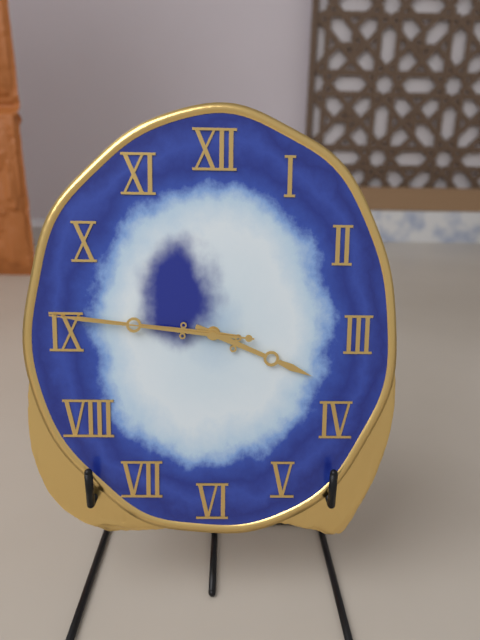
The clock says 3:46:46
